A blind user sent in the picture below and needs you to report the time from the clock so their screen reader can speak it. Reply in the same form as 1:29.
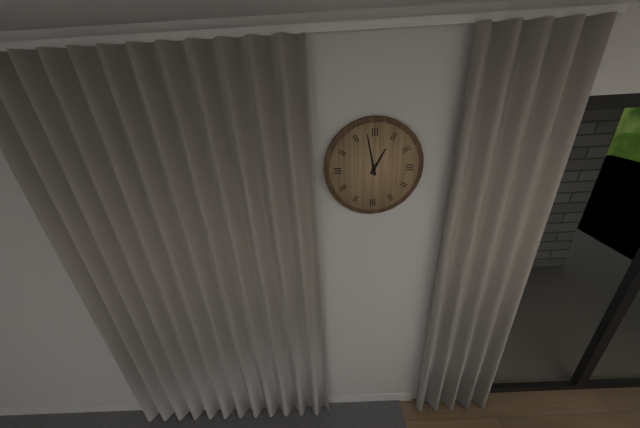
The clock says 12:58
